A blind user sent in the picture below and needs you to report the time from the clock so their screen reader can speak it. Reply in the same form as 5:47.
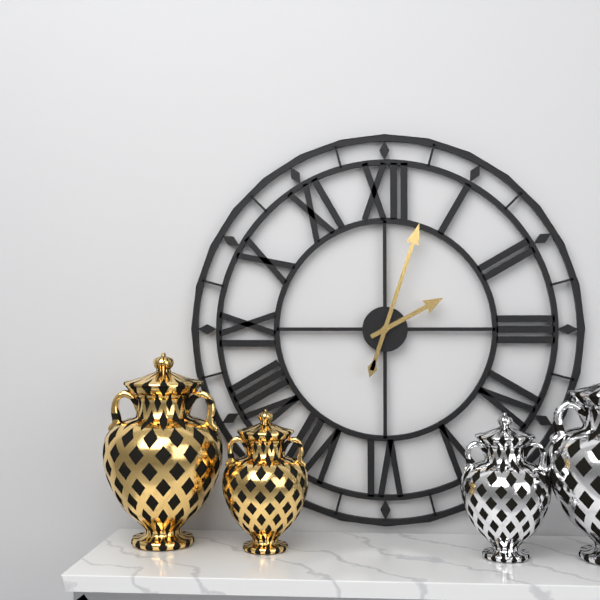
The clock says 2:03
